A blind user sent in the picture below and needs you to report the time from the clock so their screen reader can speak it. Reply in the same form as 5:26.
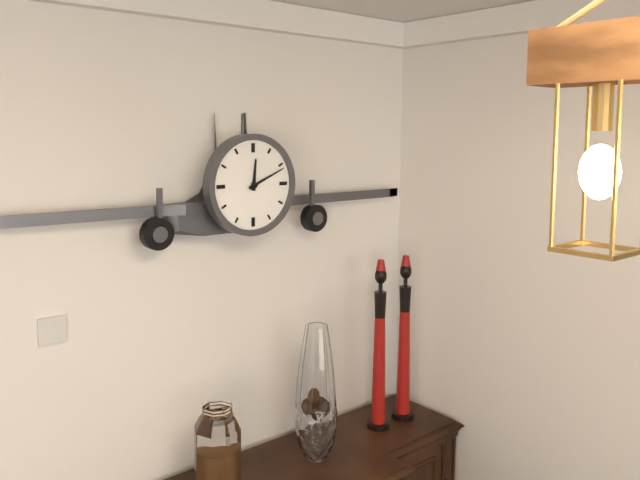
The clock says 12:11
